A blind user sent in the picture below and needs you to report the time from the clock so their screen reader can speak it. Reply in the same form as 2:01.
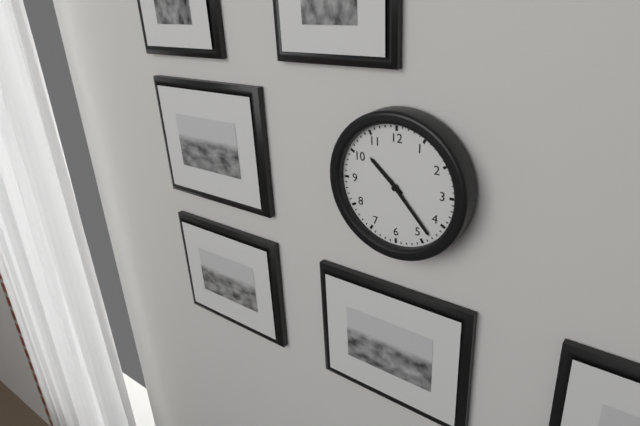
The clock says 10:23
